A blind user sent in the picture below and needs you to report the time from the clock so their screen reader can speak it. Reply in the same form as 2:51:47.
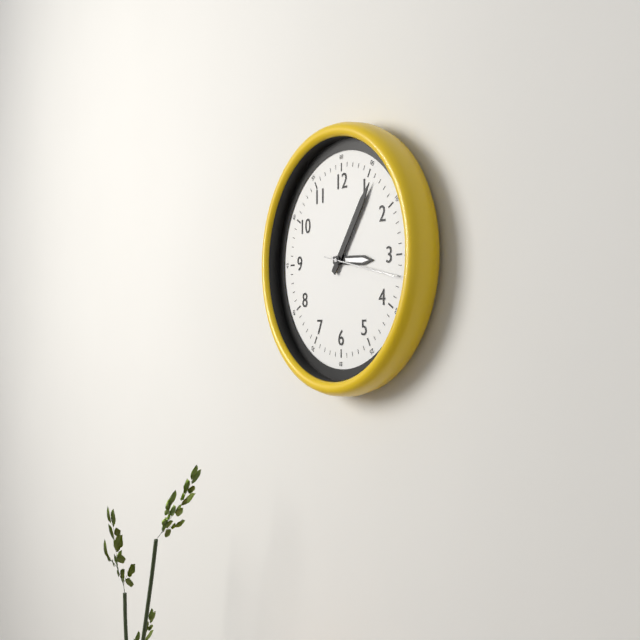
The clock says 3:06:17
